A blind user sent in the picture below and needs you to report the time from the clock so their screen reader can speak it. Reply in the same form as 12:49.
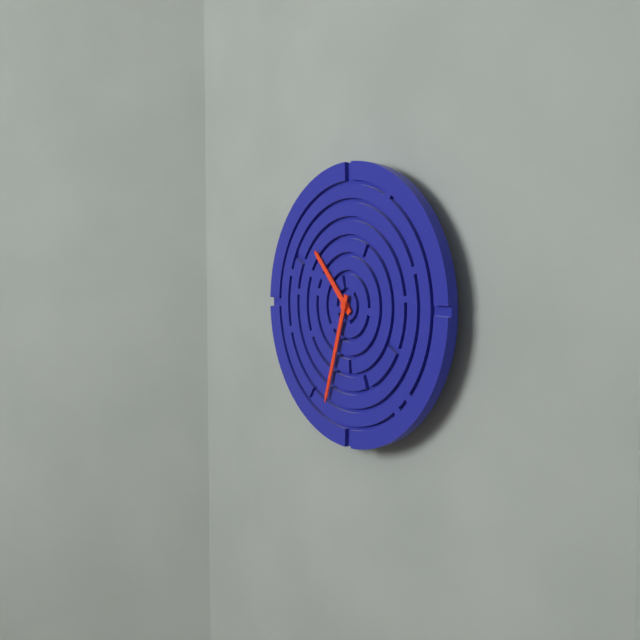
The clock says 10:33
